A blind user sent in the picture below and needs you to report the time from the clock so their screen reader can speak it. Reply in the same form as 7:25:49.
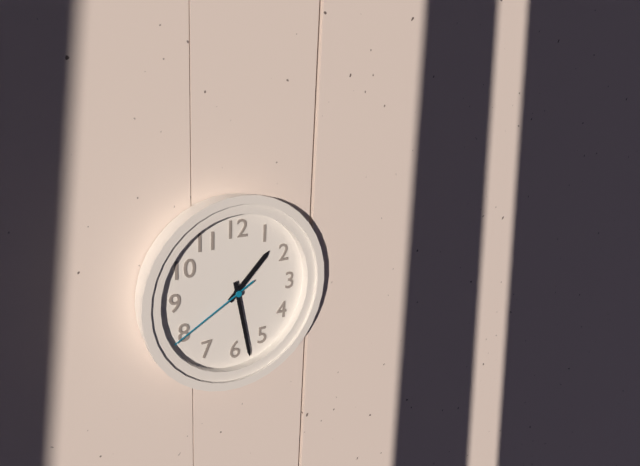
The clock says 1:28:40
